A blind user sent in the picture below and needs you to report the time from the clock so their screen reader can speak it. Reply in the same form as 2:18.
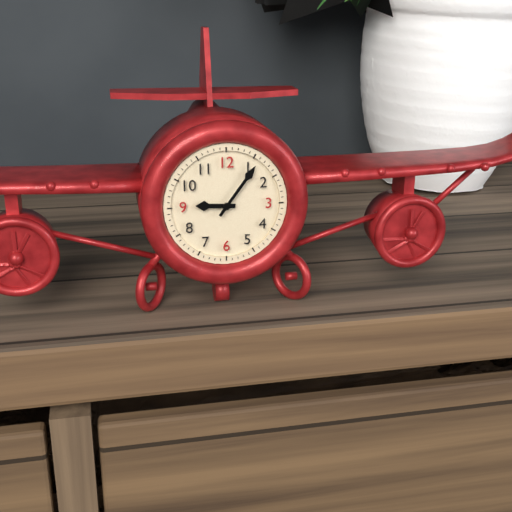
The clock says 9:06
